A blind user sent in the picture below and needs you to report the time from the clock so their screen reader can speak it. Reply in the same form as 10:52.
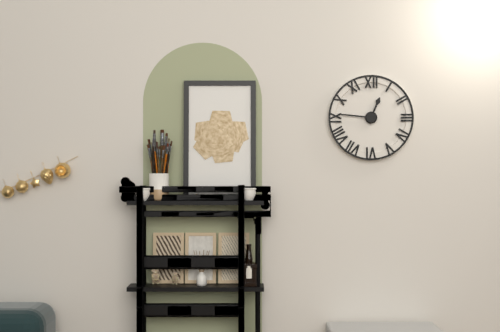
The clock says 12:46
